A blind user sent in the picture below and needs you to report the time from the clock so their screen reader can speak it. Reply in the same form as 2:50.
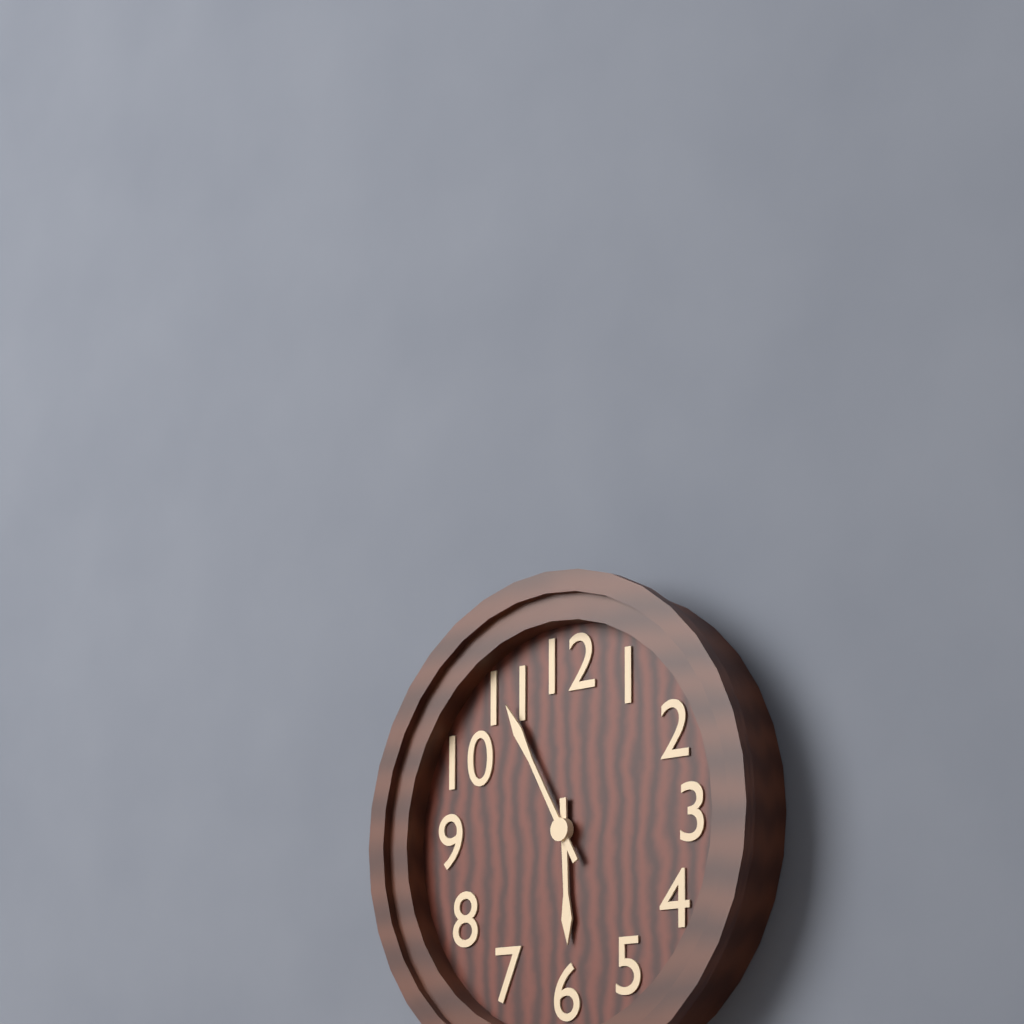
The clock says 5:55
